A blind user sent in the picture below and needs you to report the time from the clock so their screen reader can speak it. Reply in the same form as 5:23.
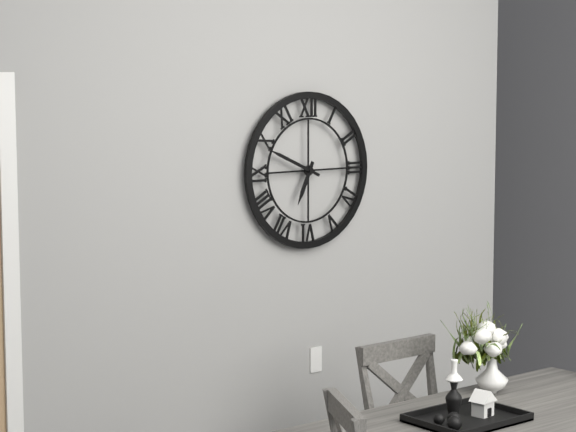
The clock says 6:49
